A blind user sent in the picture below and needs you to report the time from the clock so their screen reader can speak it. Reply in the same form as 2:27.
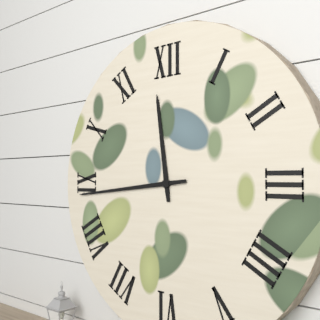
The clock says 11:44
